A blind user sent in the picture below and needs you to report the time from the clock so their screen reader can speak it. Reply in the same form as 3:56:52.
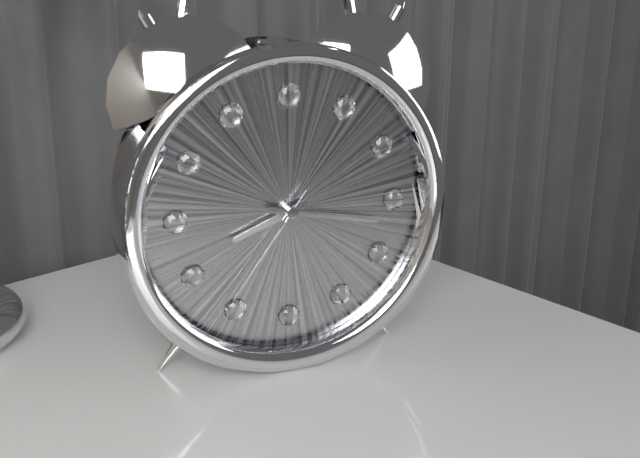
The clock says 8:17:36
